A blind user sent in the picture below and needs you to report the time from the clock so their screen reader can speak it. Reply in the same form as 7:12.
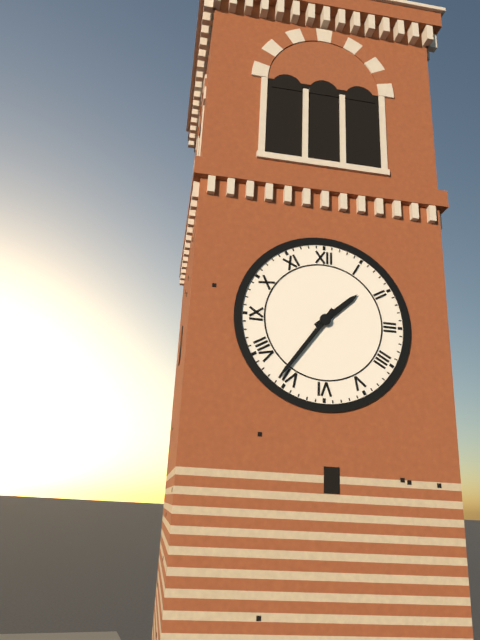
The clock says 1:36
